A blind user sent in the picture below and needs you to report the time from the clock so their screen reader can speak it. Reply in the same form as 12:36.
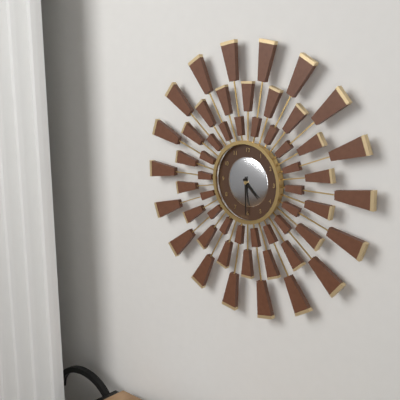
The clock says 4:30
